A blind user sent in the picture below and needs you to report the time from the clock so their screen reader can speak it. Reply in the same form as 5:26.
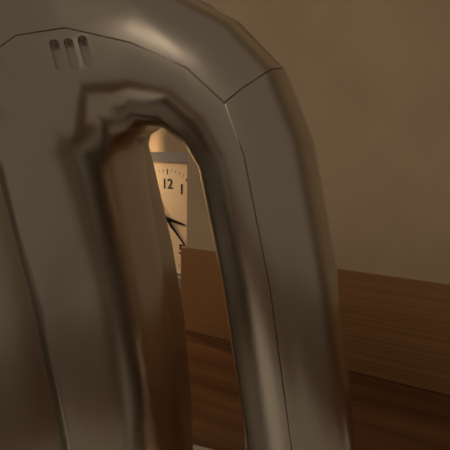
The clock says 3:23
